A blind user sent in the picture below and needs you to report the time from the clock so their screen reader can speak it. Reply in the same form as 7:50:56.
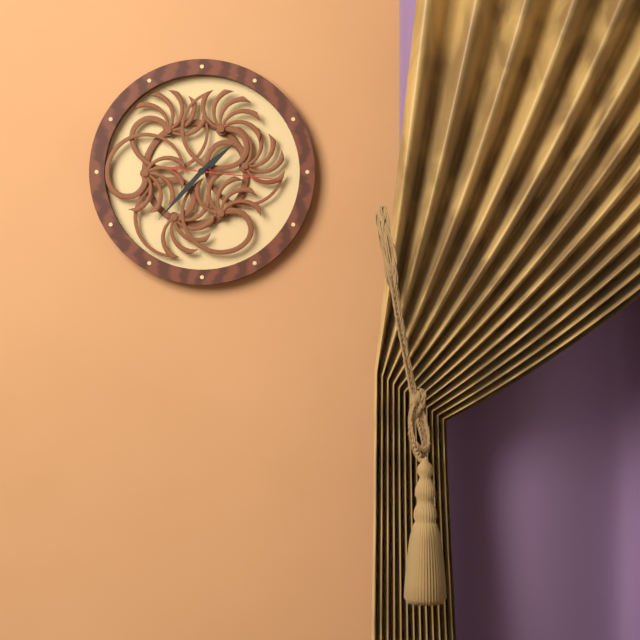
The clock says 1:37:16
